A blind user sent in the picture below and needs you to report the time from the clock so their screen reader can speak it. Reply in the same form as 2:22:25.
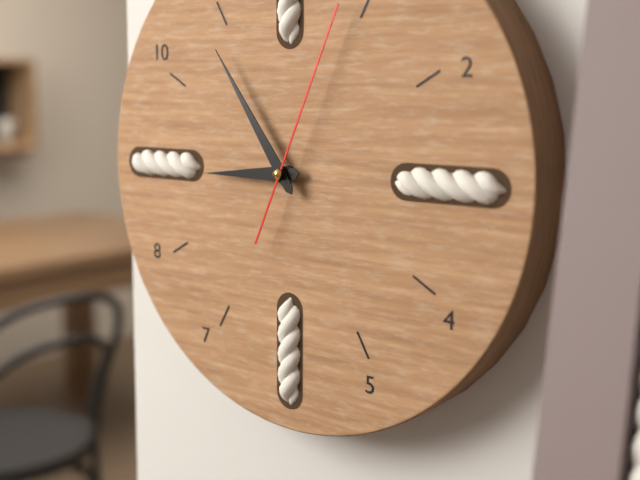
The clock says 8:54:04
